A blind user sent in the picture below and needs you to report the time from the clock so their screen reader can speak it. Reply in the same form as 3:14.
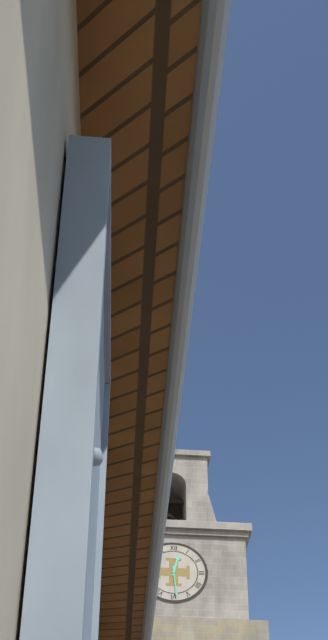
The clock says 12:29
